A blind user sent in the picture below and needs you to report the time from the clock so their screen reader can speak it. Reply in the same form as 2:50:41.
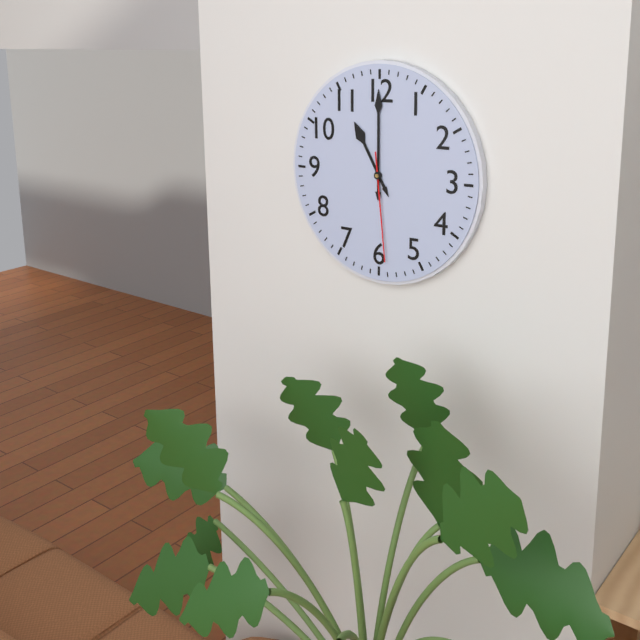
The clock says 11:00:29
